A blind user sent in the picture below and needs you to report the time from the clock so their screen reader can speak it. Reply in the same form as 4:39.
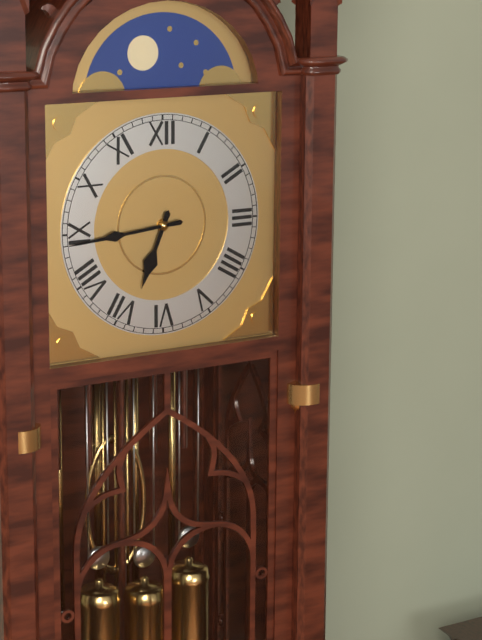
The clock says 6:44
